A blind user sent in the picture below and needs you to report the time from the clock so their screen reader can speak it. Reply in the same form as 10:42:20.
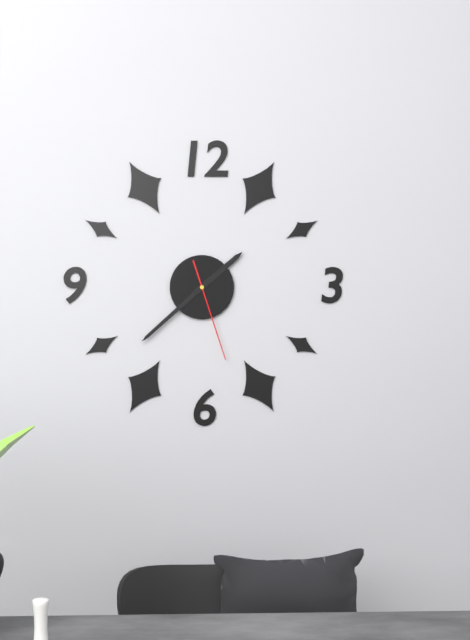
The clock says 1:38:27
